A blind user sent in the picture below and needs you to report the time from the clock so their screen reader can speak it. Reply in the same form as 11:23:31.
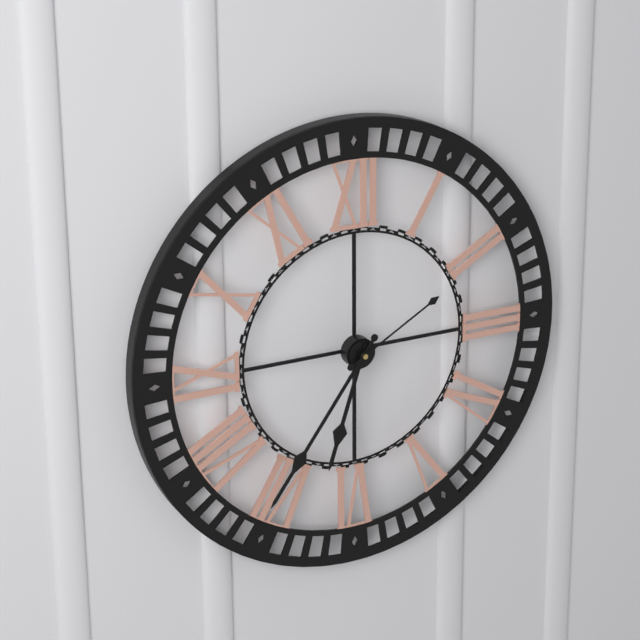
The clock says 6:36:10
